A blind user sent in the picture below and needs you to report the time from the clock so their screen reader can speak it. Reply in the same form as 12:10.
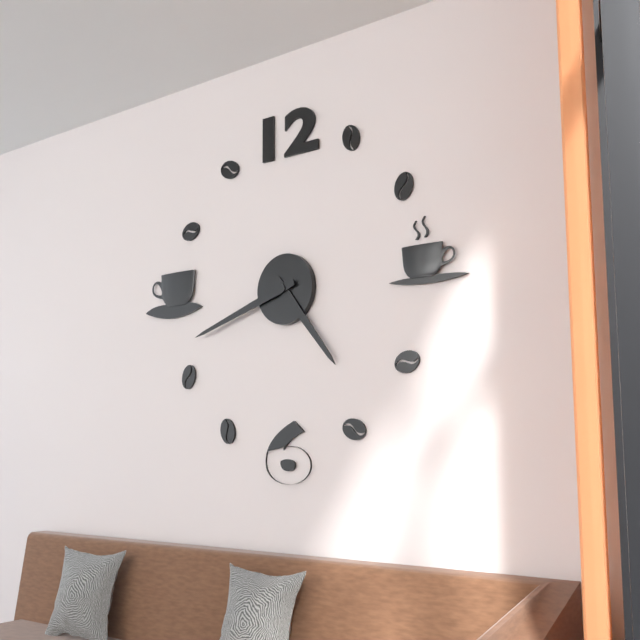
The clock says 4:42
